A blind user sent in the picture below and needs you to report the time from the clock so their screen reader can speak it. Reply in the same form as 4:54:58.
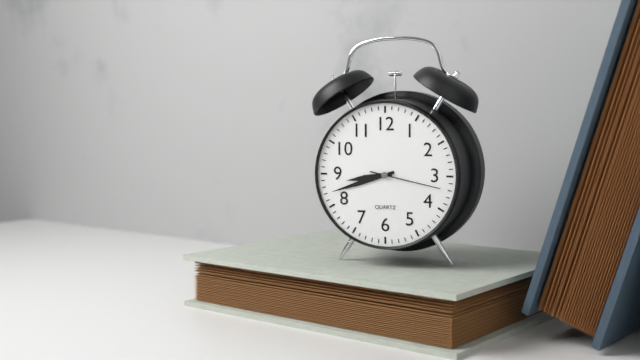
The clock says 8:42:17
